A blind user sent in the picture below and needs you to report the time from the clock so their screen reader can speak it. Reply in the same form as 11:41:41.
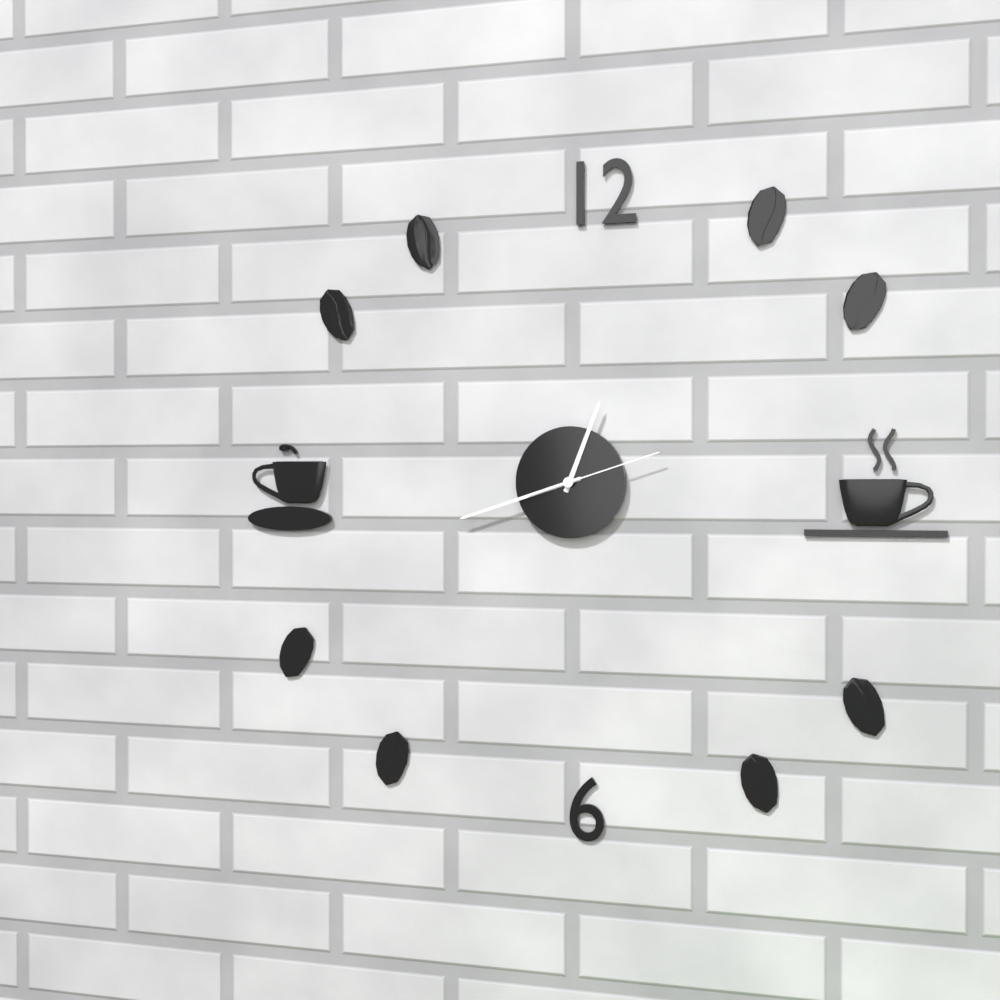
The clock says 12:42:12
